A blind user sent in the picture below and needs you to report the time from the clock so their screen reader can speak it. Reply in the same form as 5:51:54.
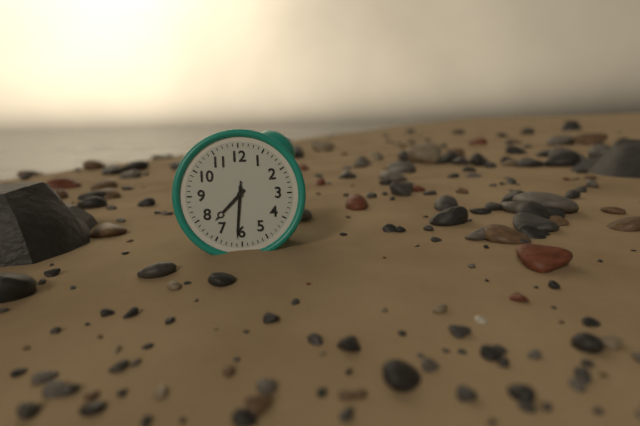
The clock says 7:31:31
